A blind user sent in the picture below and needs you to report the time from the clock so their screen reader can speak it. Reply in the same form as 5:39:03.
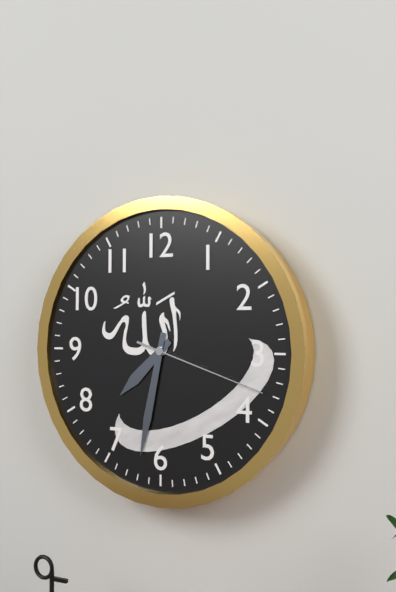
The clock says 7:32:18
